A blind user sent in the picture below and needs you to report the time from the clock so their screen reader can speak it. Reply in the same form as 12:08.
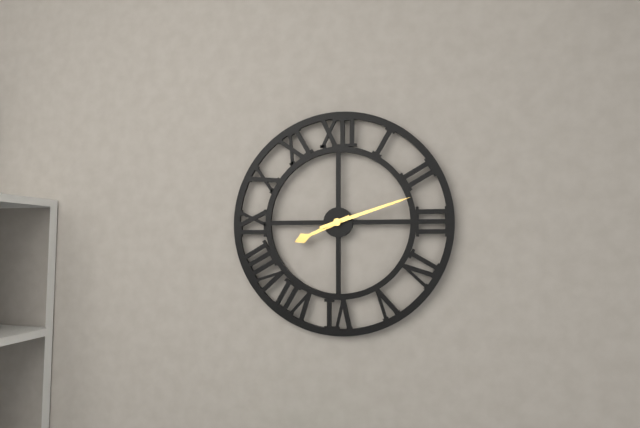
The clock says 8:12
